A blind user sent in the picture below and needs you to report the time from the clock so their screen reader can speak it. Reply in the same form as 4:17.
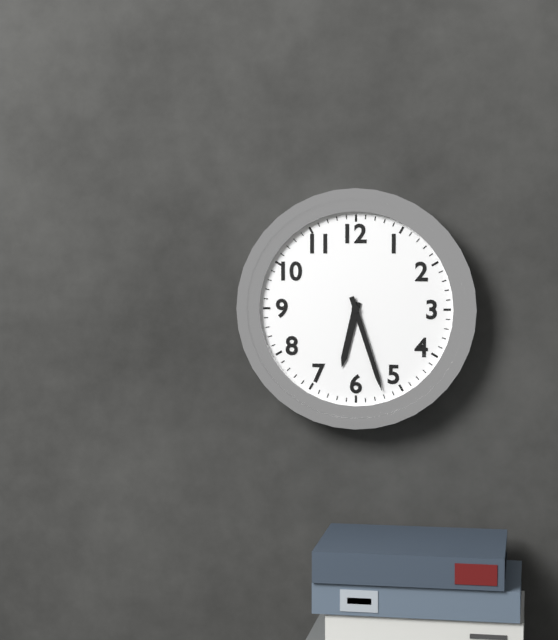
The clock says 6:27
